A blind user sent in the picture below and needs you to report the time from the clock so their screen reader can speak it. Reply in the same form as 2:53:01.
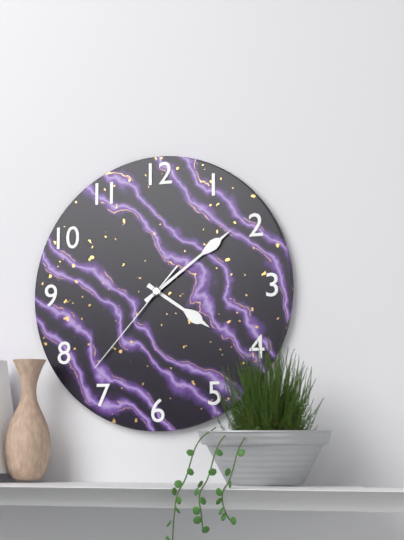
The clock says 4:09:37
